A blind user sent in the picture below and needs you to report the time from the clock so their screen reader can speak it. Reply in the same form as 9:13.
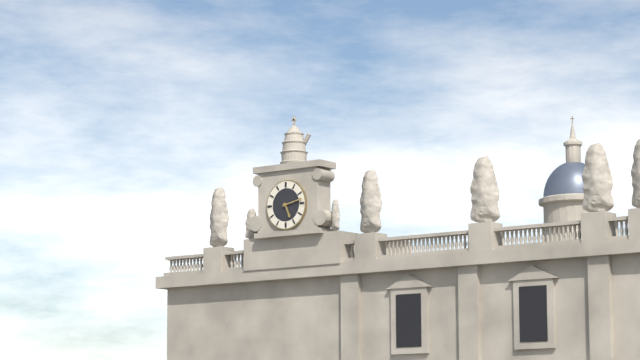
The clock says 5:13
